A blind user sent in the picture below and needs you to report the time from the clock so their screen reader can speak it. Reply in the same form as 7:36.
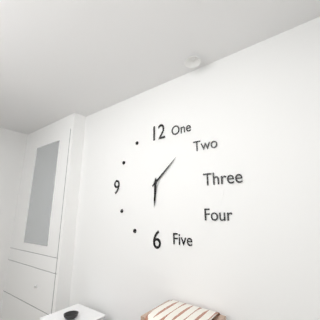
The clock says 6:08
